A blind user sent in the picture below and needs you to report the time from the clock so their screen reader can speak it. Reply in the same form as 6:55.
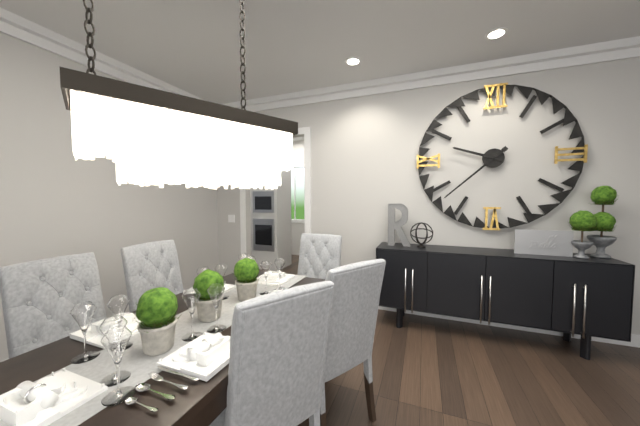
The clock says 9:38
